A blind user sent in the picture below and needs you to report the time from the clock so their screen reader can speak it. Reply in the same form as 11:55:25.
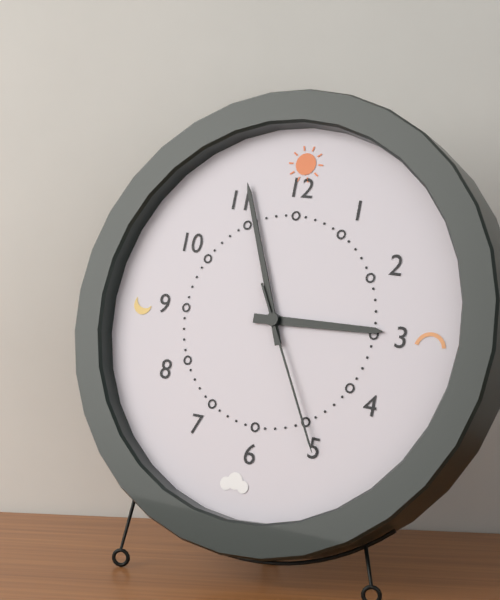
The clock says 2:56:25
